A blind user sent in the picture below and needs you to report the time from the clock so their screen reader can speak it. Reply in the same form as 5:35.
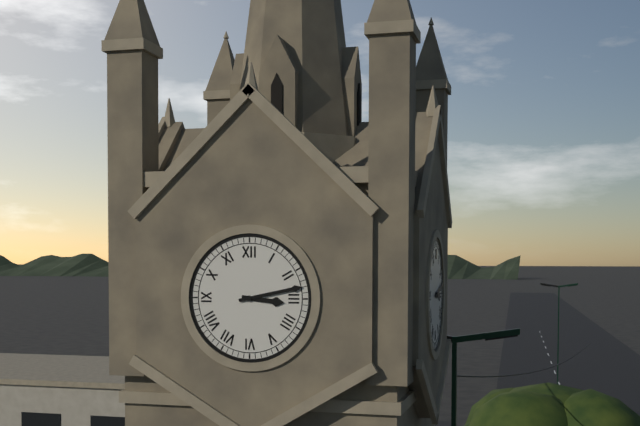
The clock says 3:13
